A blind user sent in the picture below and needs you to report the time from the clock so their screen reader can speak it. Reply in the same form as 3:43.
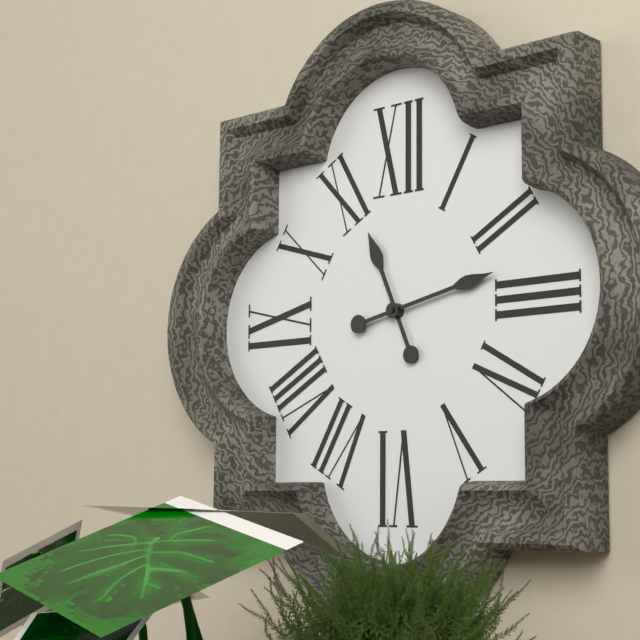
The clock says 11:13
